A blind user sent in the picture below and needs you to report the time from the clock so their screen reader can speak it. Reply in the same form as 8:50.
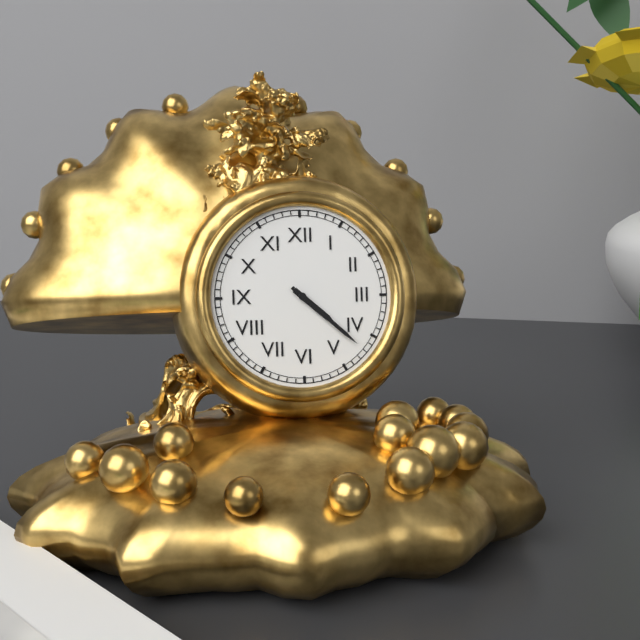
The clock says 4:22
